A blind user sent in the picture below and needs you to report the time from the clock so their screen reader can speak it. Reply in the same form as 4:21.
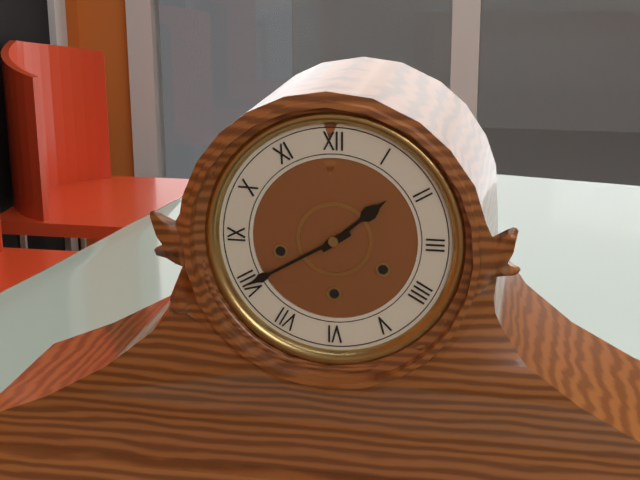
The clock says 1:40
